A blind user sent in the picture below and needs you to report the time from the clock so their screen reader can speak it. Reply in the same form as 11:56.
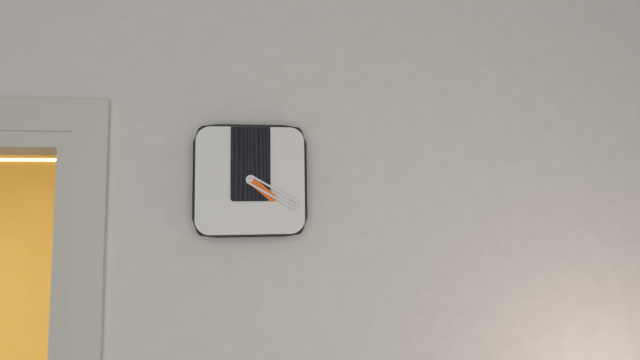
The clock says 4:20
